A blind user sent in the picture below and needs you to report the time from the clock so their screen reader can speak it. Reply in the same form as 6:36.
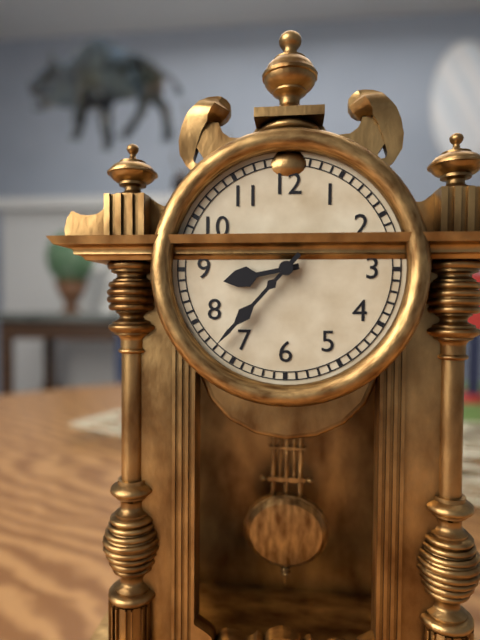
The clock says 8:37
